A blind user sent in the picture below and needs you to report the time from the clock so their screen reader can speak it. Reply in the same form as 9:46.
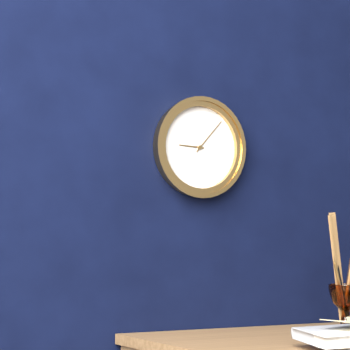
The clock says 9:07
